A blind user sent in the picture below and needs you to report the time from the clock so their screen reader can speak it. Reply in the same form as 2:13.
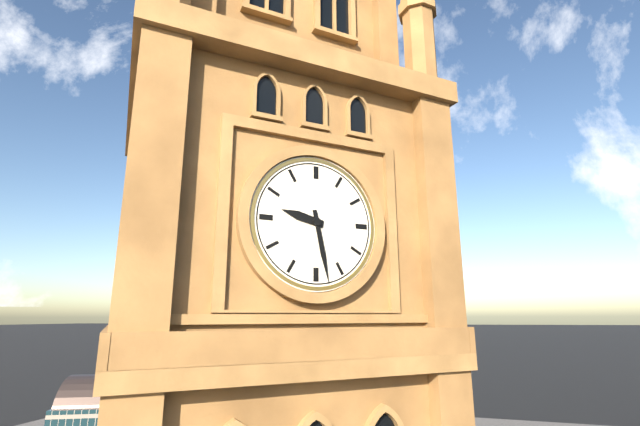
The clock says 9:28
